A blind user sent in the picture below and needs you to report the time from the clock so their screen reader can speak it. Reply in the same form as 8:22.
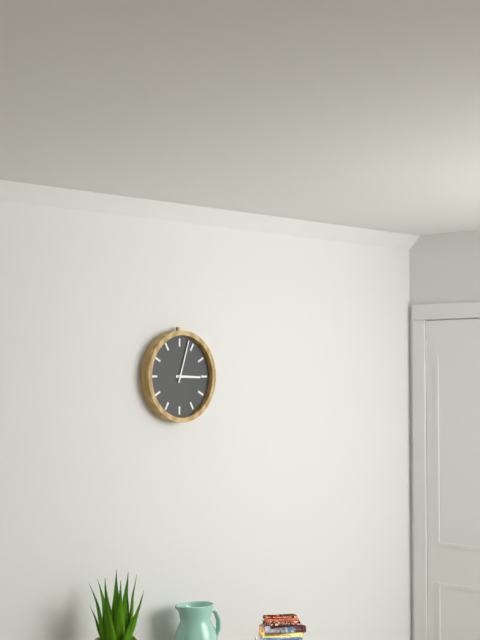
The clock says 3:03
